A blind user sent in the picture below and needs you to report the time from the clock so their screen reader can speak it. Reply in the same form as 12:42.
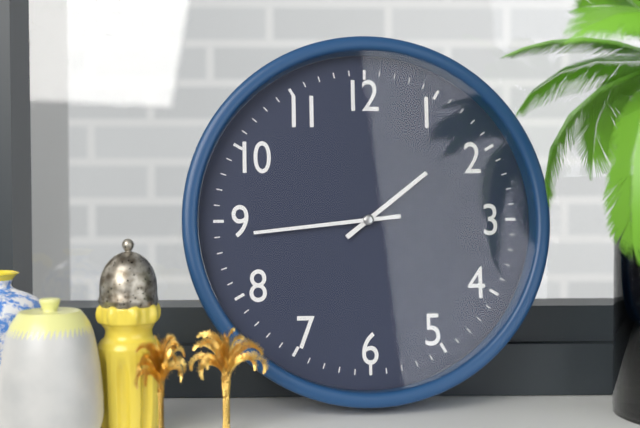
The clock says 1:44
